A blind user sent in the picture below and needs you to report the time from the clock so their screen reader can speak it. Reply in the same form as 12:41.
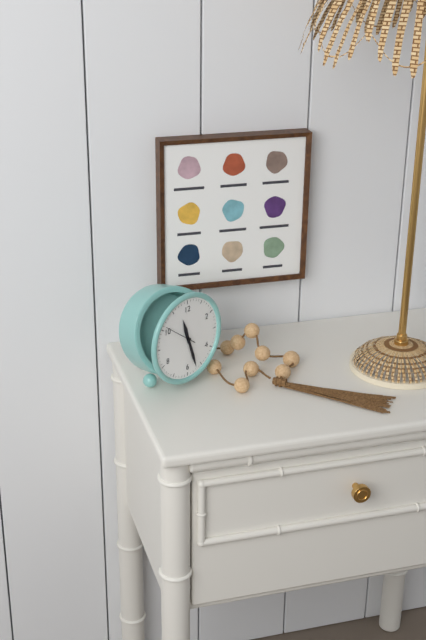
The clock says 11:27
